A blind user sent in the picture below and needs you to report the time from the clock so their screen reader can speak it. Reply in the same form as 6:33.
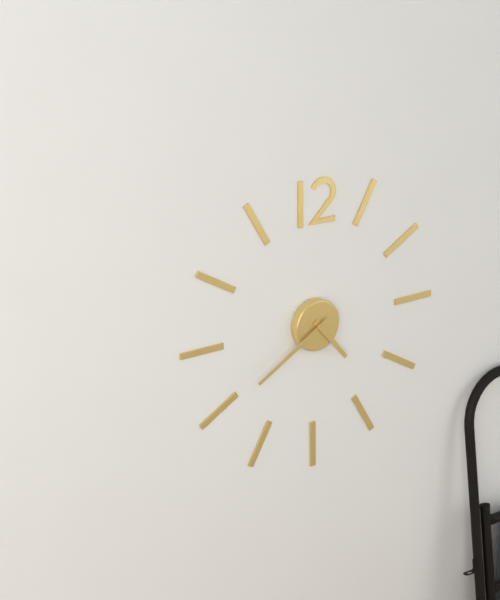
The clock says 4:40
